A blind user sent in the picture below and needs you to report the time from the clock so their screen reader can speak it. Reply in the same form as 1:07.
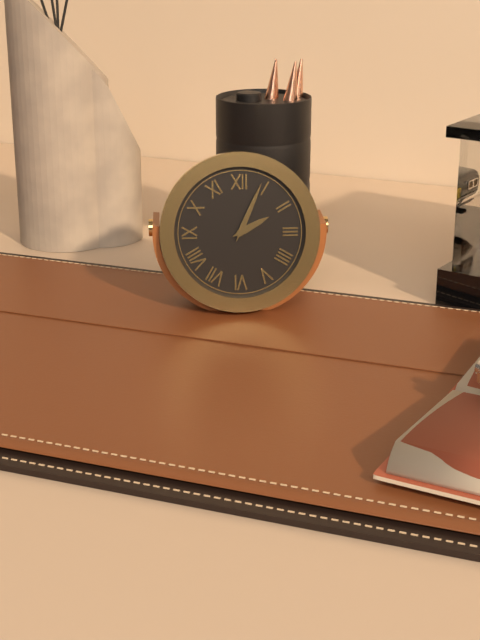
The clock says 2:04
